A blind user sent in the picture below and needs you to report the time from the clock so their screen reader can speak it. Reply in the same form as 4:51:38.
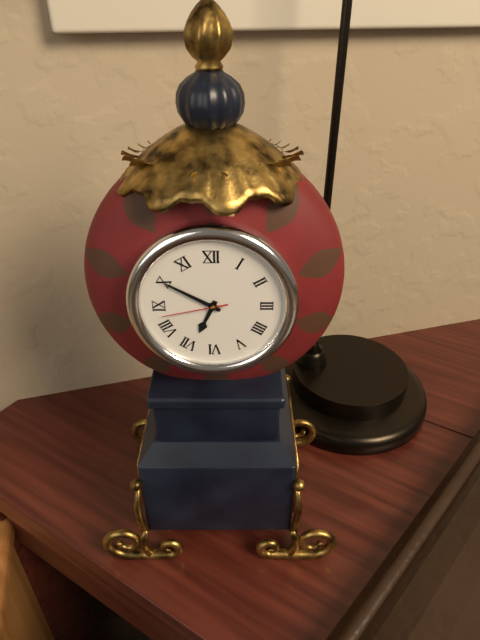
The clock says 6:50:43
